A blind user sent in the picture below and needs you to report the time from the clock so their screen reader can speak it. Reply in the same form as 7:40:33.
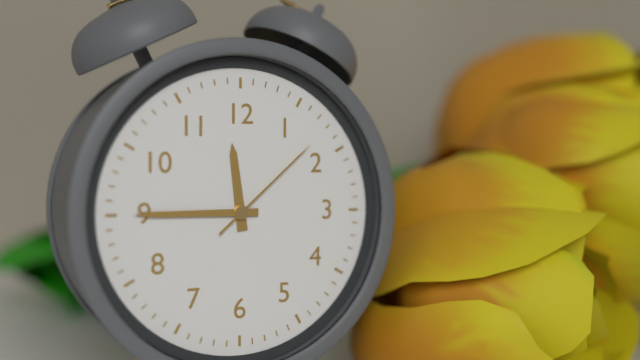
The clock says 11:45:08
